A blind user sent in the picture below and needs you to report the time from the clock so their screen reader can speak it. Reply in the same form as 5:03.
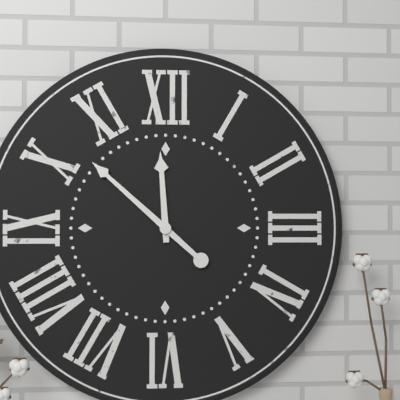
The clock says 11:52
